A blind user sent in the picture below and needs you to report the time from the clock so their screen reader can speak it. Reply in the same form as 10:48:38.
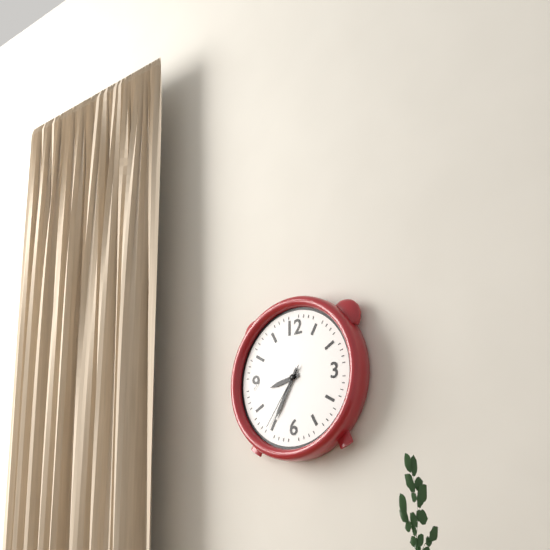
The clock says 8:35:36
